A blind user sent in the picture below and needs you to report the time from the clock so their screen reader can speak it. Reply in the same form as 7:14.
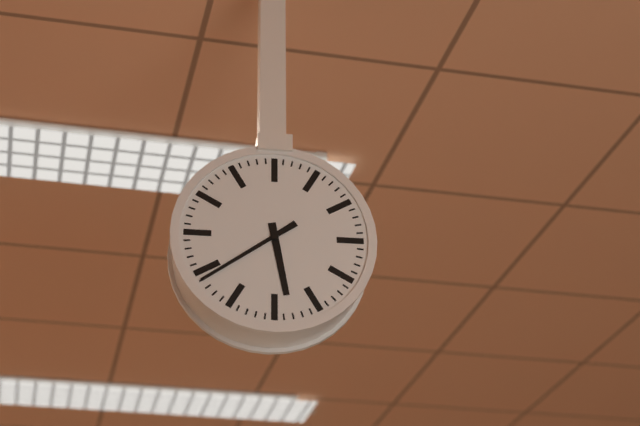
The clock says 5:39
